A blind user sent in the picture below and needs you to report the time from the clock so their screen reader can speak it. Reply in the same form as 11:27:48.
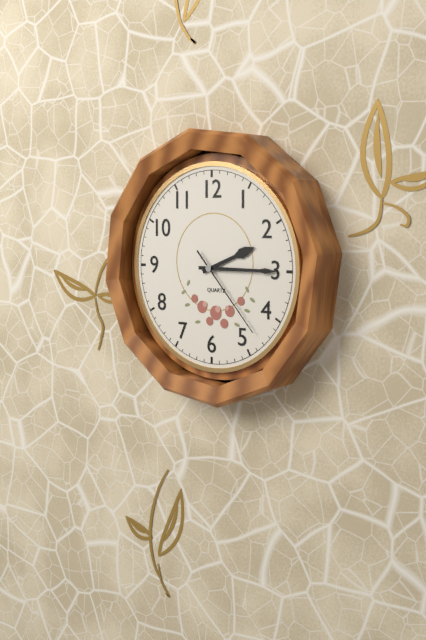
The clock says 2:15:23
